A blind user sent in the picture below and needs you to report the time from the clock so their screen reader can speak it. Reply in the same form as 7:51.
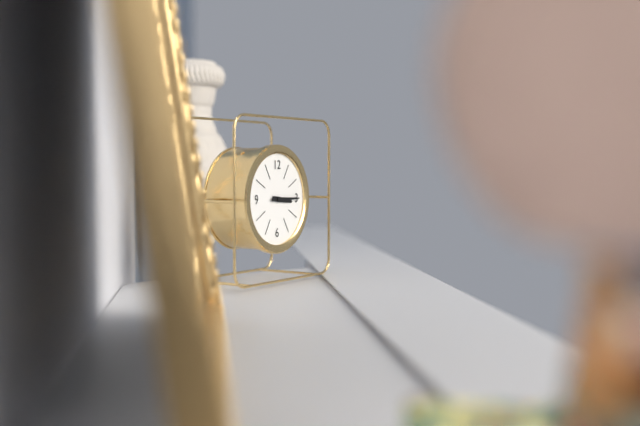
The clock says 3:15
